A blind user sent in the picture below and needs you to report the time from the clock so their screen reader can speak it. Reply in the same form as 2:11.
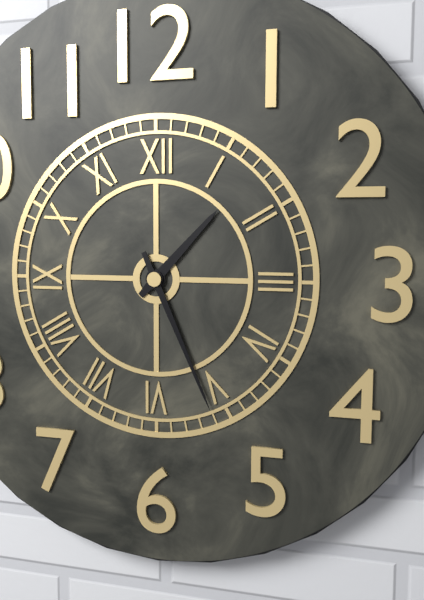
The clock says 1:26
